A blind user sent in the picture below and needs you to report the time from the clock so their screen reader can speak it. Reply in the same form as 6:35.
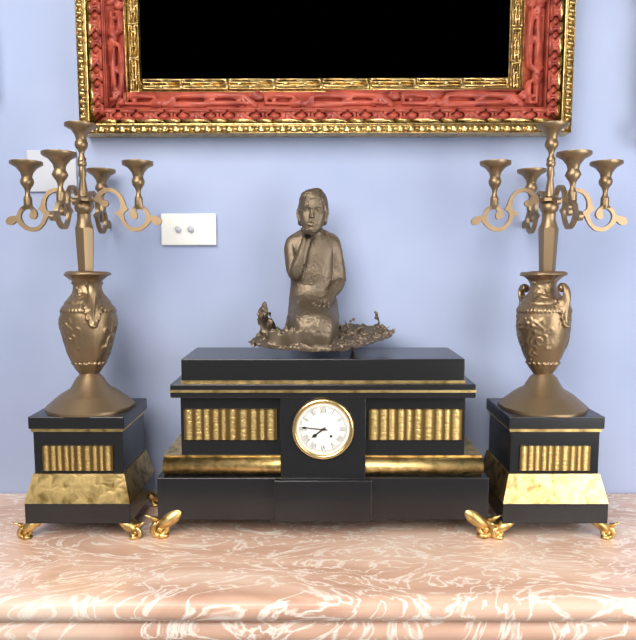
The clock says 7:46
